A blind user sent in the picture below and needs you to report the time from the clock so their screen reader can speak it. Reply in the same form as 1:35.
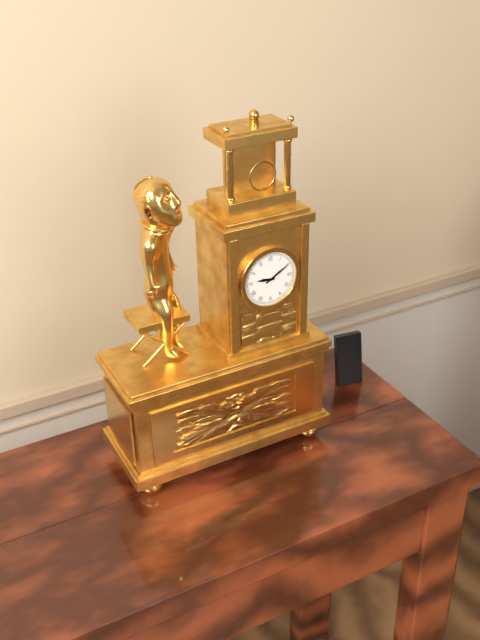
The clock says 9:10
